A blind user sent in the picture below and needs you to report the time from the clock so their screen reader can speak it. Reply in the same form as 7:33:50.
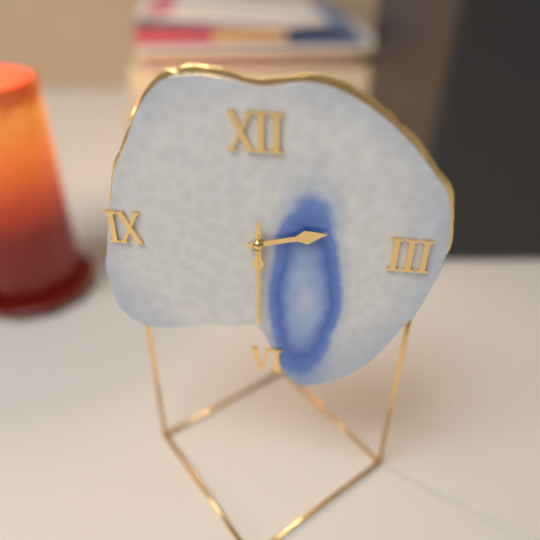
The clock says 2:30:30
